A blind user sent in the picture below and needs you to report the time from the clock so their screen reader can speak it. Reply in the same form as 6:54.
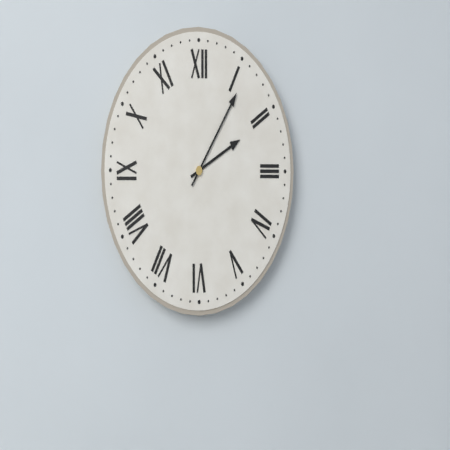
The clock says 2:06
